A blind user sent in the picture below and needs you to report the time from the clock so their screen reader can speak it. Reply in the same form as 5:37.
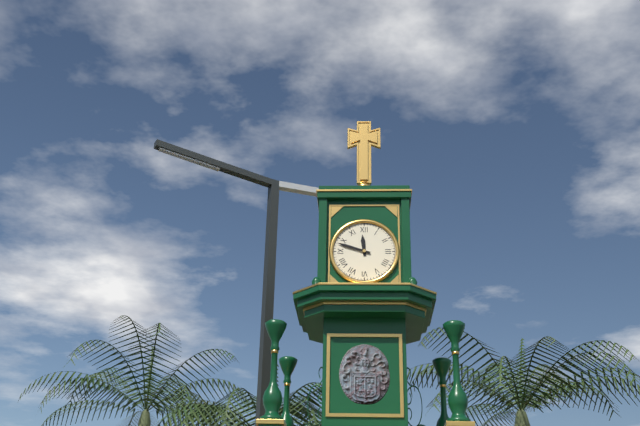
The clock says 11:48
